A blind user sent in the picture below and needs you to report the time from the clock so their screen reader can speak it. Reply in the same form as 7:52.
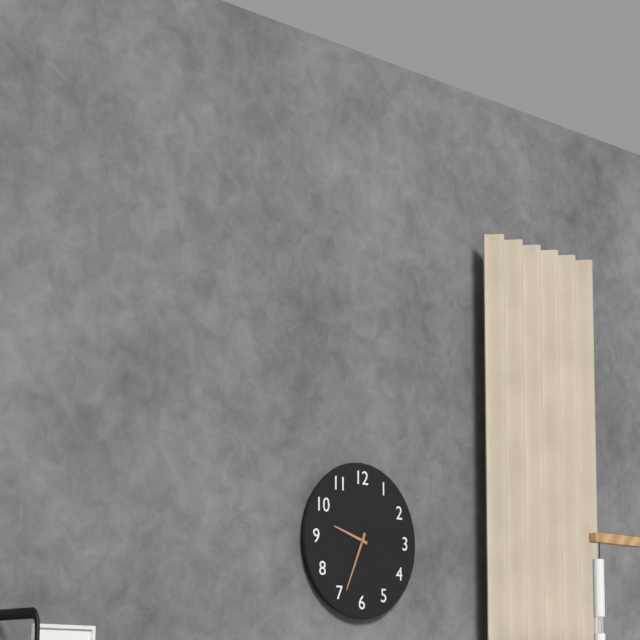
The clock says 9:34
